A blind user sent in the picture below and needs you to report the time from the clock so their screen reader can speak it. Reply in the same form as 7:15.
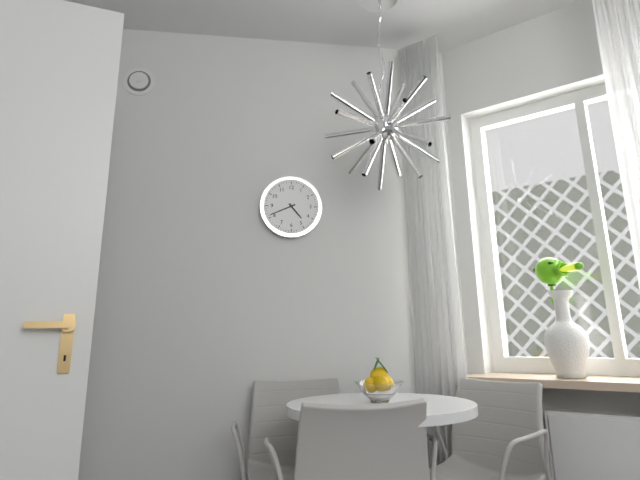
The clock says 4:41
